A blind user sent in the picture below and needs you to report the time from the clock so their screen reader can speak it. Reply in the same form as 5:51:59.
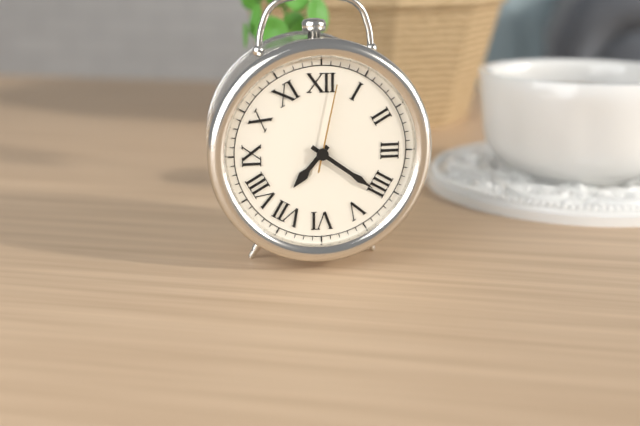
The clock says 7:21:02
